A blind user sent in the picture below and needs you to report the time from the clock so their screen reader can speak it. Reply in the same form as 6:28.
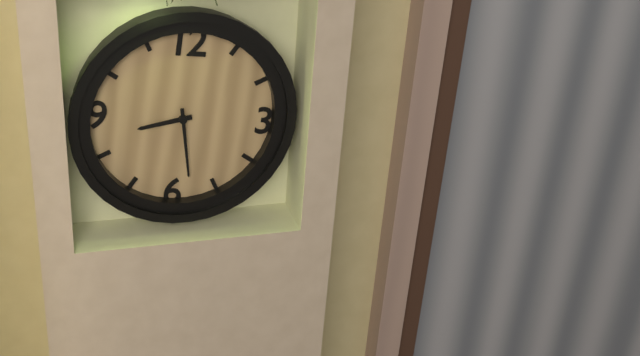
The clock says 8:28
